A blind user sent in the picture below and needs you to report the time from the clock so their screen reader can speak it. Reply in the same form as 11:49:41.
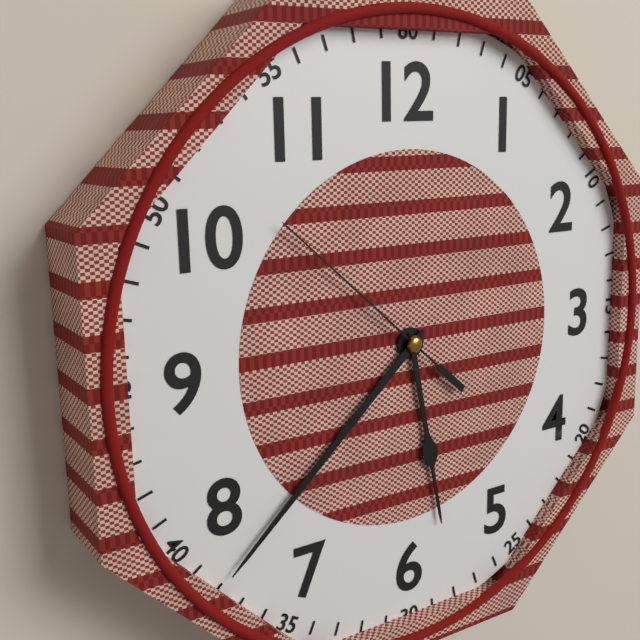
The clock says 5:38:52
